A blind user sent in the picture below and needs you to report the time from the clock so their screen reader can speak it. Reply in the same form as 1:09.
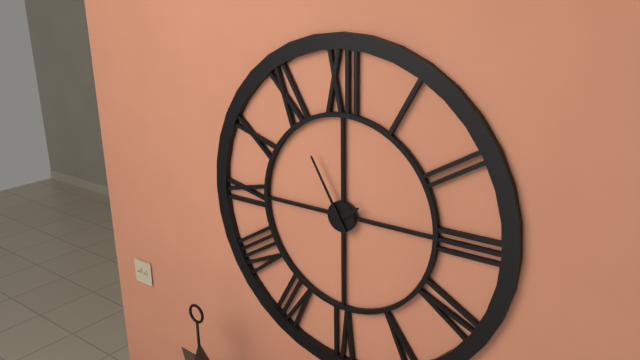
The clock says 1:55
